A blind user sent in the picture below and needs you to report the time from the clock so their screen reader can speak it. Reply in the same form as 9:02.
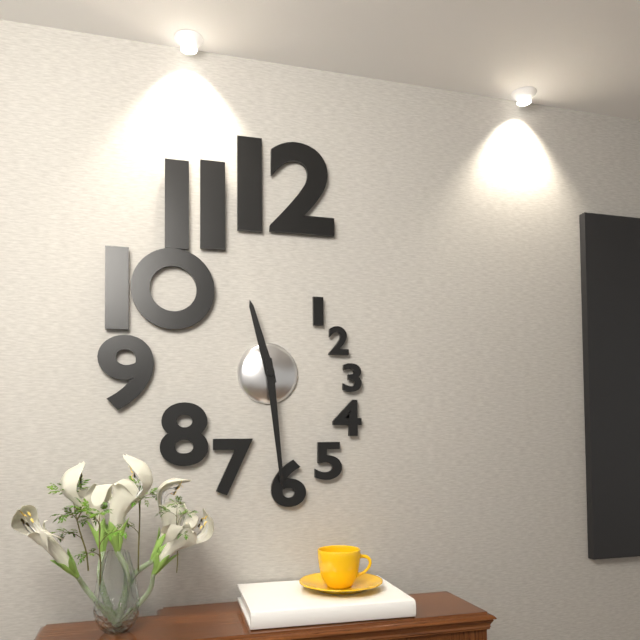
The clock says 11:29
